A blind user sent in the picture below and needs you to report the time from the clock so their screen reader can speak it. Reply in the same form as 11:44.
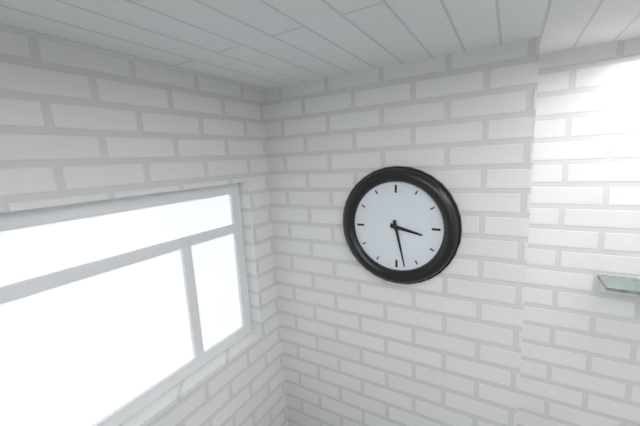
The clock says 3:28
